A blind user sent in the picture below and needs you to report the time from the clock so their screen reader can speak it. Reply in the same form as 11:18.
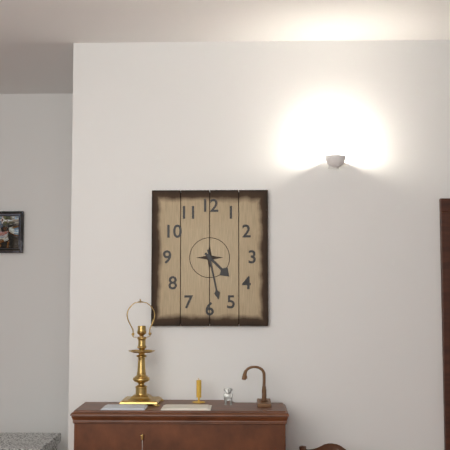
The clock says 4:28
